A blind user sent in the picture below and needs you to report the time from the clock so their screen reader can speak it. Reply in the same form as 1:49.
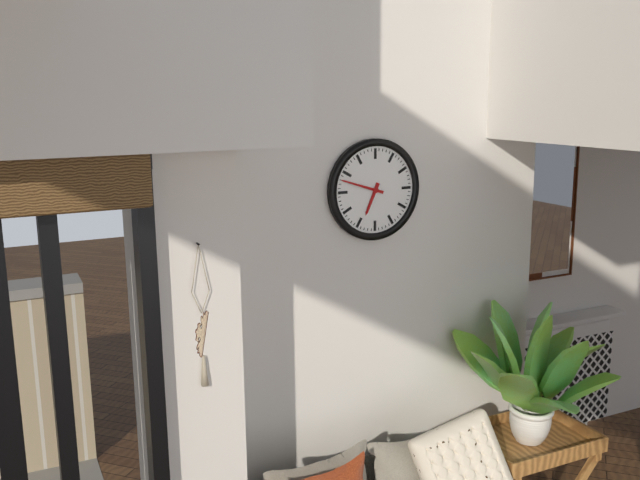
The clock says 6:48
